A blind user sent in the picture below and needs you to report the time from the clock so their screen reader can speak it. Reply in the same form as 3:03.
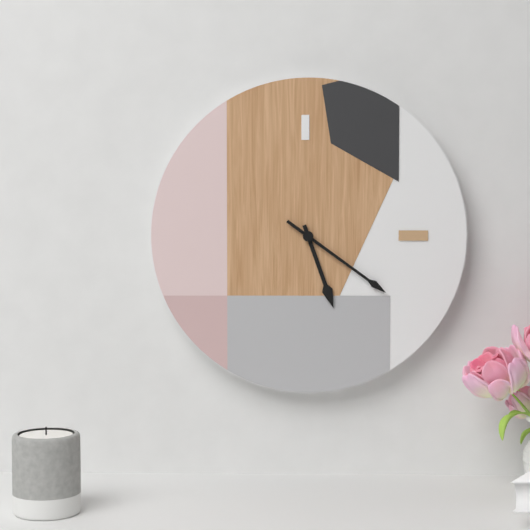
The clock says 5:21
